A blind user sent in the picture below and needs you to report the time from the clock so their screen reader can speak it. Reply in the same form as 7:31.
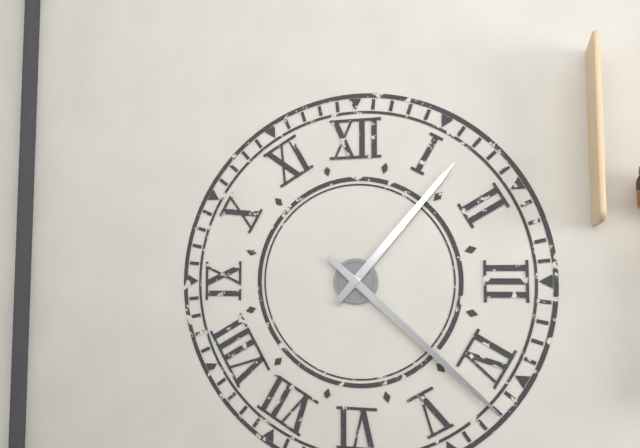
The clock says 1:22
